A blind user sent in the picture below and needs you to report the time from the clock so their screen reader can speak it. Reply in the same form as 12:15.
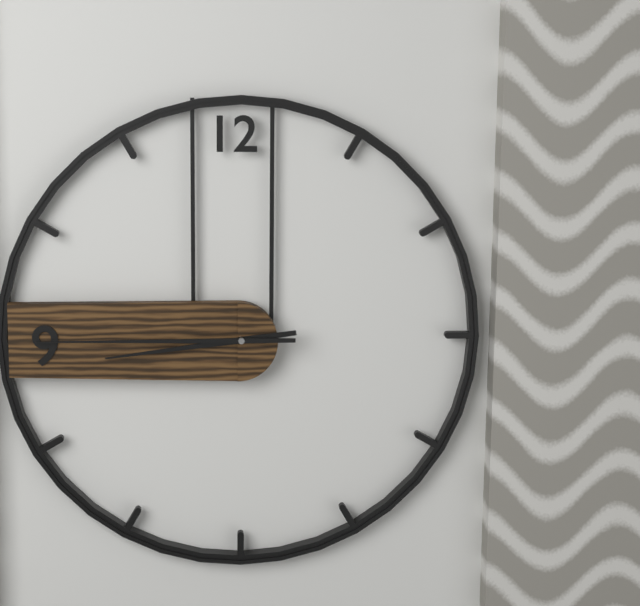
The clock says 8:45
